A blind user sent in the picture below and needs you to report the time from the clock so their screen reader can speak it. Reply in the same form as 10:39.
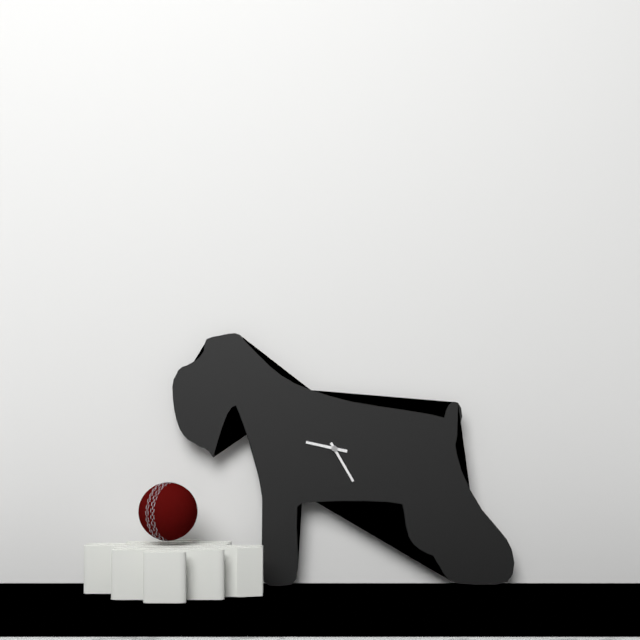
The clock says 9:25
